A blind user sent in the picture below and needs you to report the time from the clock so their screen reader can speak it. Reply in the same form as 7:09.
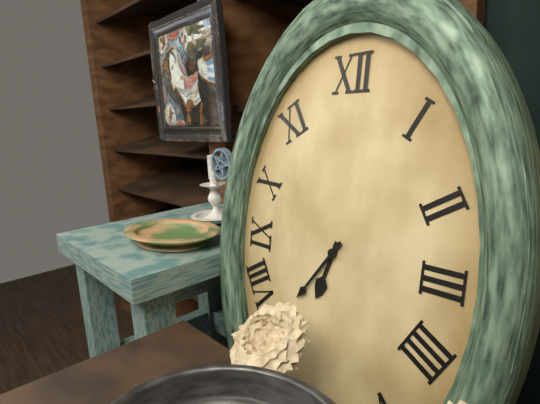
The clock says 6:36
